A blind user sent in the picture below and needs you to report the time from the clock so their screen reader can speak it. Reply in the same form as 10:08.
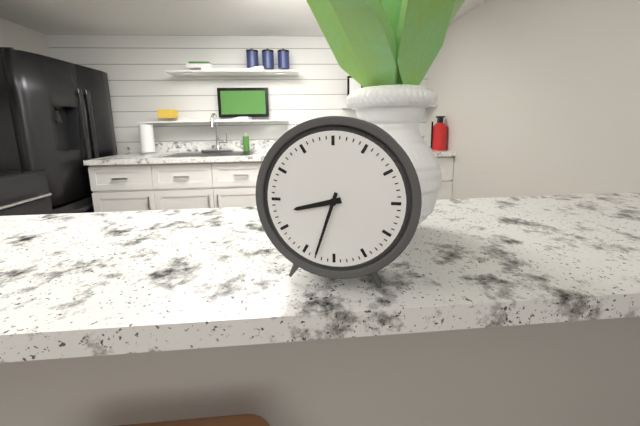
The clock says 8:33
